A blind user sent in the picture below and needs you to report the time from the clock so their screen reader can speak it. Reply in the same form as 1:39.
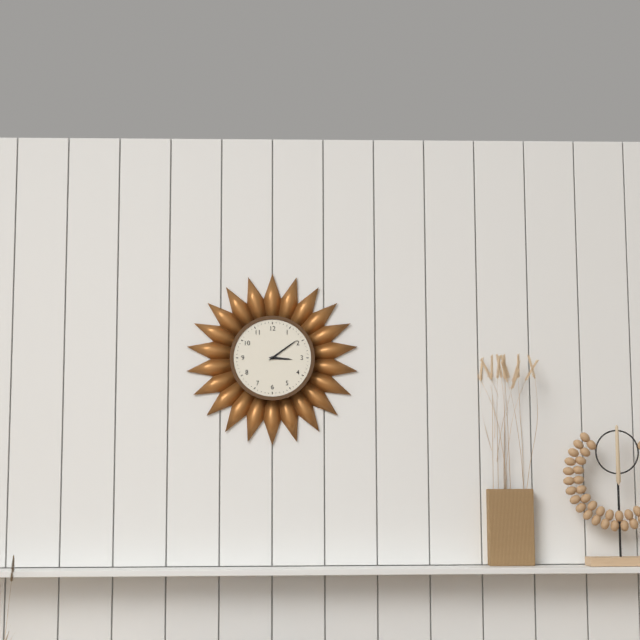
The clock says 3:09
